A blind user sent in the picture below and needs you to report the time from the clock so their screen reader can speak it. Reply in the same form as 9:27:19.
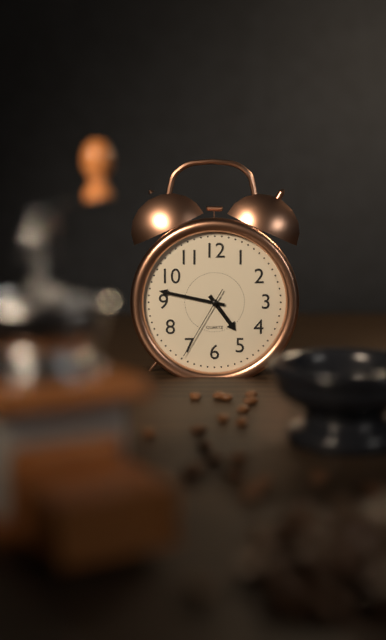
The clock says 4:47:35
